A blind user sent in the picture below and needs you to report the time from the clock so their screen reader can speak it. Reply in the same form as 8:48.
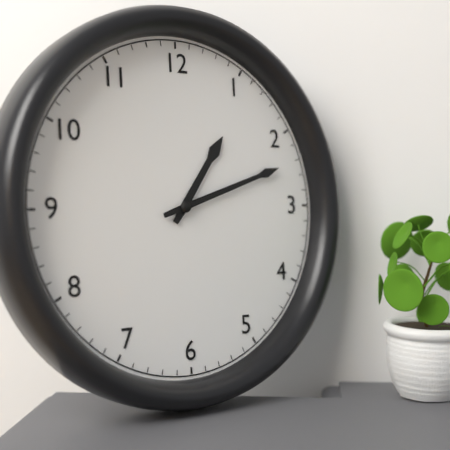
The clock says 1:12
